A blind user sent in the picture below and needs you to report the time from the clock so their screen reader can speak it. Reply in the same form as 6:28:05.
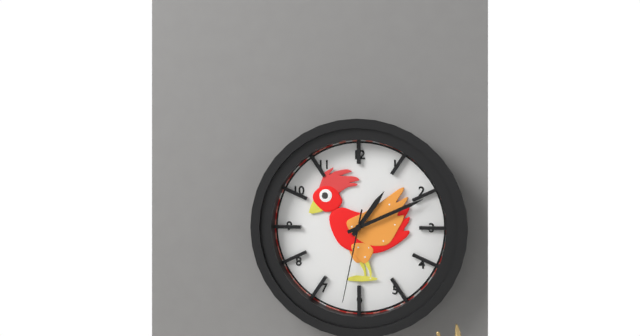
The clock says 1:11:32
